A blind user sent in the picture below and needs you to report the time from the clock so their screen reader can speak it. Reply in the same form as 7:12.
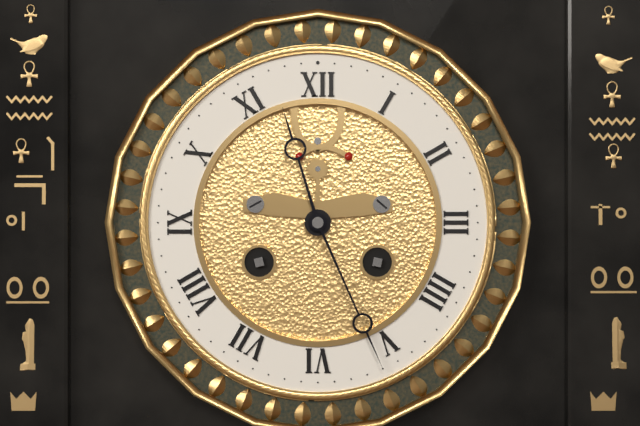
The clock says 11:26
